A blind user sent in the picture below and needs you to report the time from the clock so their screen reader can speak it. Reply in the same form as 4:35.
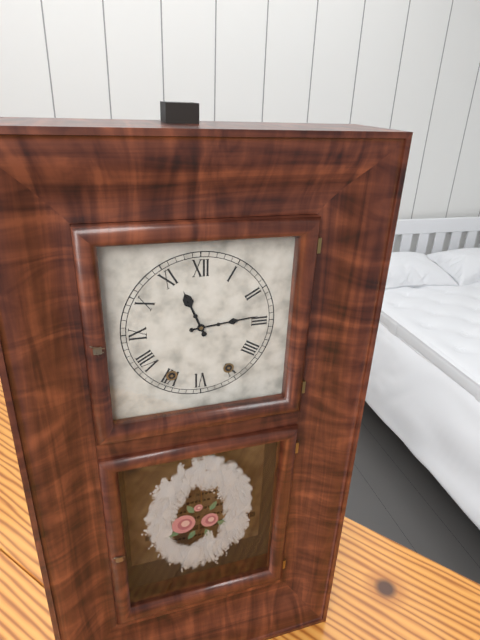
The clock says 11:14
